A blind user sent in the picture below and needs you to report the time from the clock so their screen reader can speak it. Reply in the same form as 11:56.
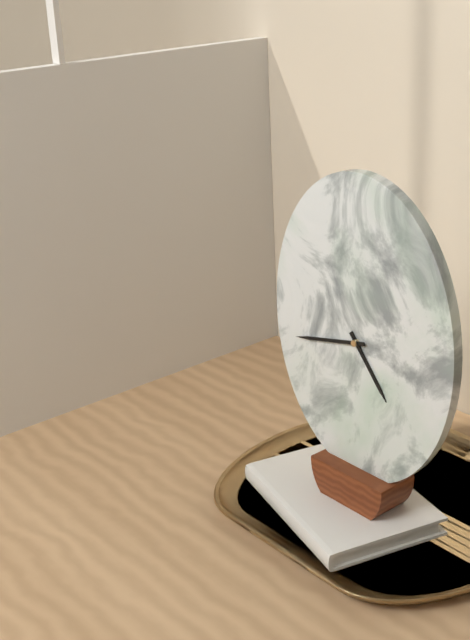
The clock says 4:43
